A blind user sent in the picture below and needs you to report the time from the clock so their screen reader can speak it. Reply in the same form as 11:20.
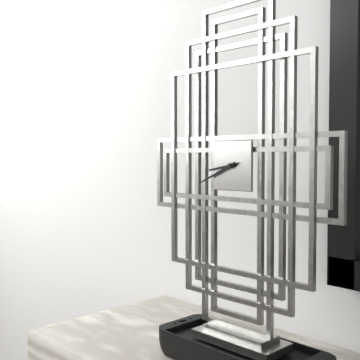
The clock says 8:41
